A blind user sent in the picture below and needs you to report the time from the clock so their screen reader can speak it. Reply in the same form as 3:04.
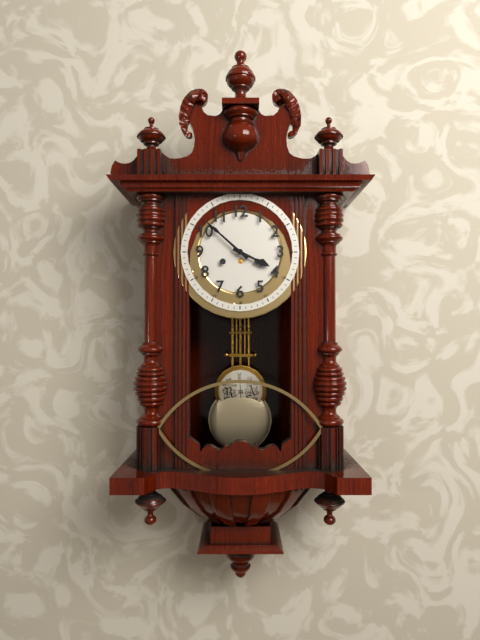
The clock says 3:52
